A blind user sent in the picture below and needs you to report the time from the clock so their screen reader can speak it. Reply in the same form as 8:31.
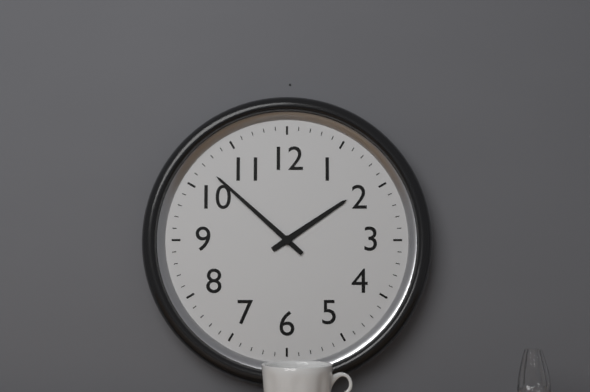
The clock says 1:52
